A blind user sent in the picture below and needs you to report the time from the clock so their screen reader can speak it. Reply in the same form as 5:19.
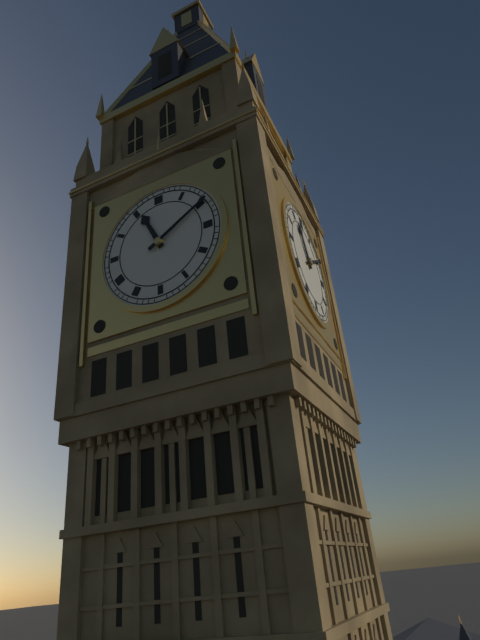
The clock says 11:10
